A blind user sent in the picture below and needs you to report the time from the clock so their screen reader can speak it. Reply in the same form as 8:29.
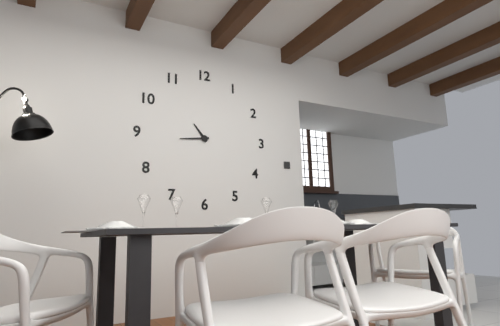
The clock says 10:44
